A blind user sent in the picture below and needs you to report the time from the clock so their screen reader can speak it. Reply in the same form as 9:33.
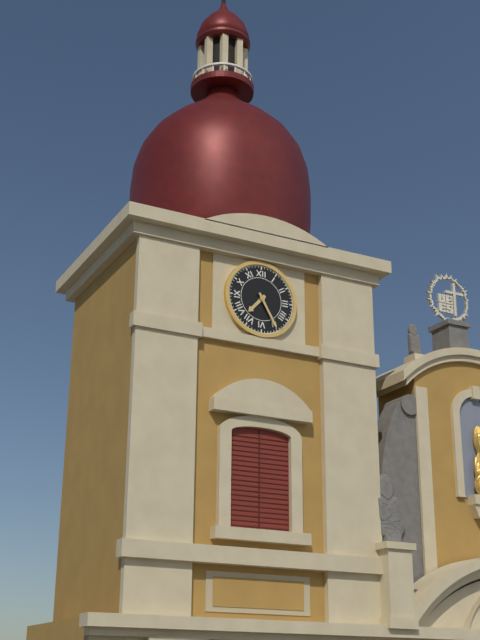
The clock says 7:25
